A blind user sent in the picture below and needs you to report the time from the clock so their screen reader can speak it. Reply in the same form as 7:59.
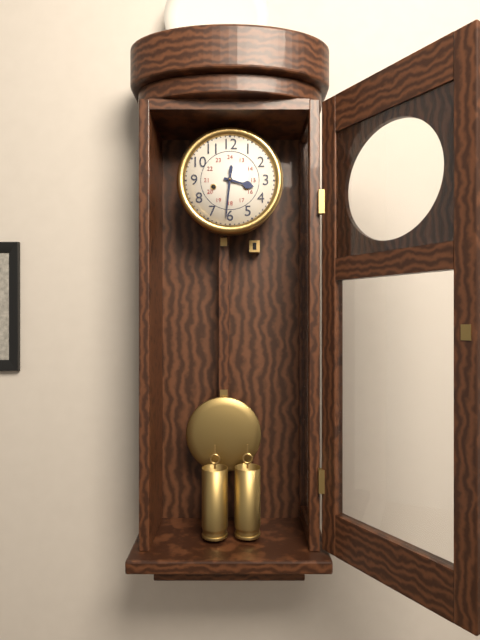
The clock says 3:31
